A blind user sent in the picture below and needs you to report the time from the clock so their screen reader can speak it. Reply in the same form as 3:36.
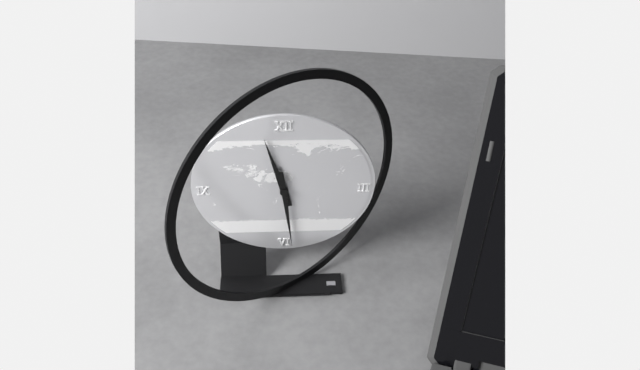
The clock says 11:29
